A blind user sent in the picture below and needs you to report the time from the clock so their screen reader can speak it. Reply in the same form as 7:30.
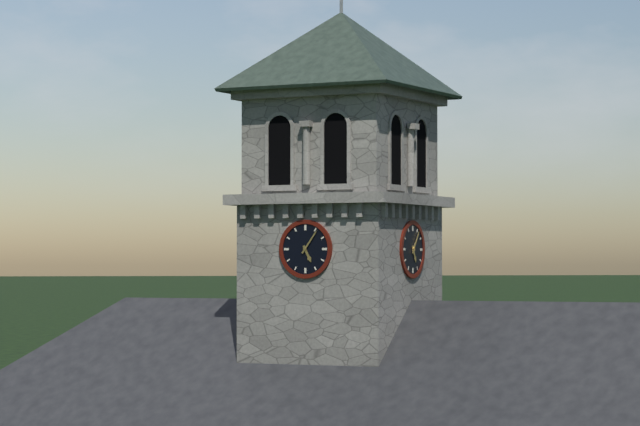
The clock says 5:06
